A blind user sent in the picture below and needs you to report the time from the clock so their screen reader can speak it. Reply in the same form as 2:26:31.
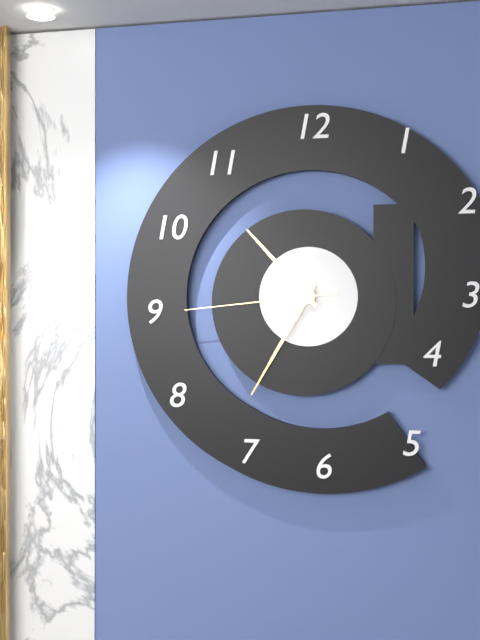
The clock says 10:35:44
